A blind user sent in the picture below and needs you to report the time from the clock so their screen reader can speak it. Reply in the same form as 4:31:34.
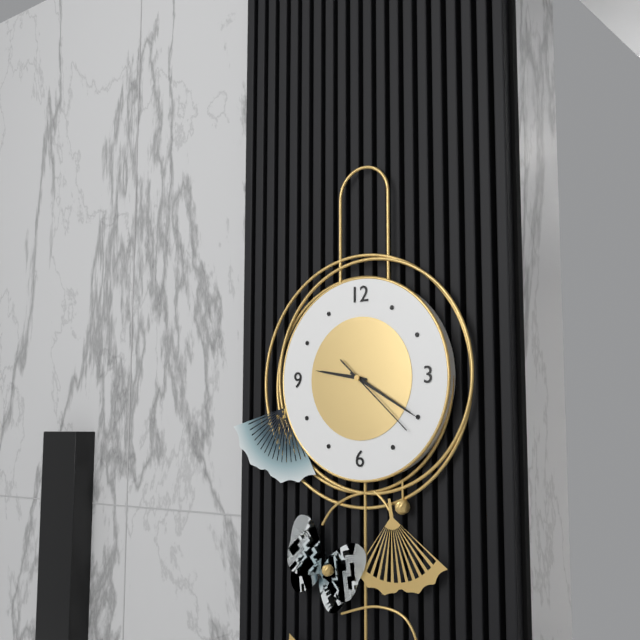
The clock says 9:20:22
